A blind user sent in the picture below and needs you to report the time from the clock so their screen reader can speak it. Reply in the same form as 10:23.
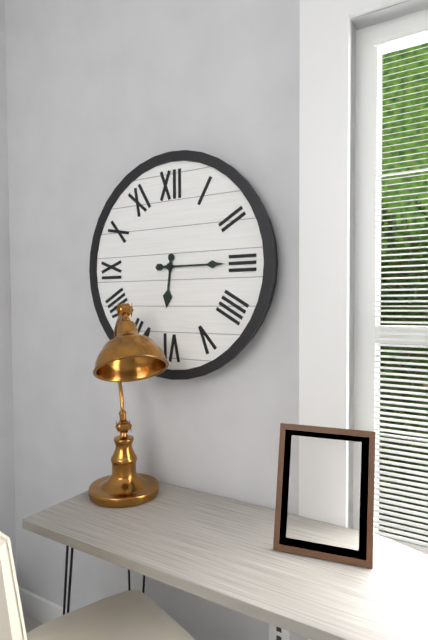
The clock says 6:15
